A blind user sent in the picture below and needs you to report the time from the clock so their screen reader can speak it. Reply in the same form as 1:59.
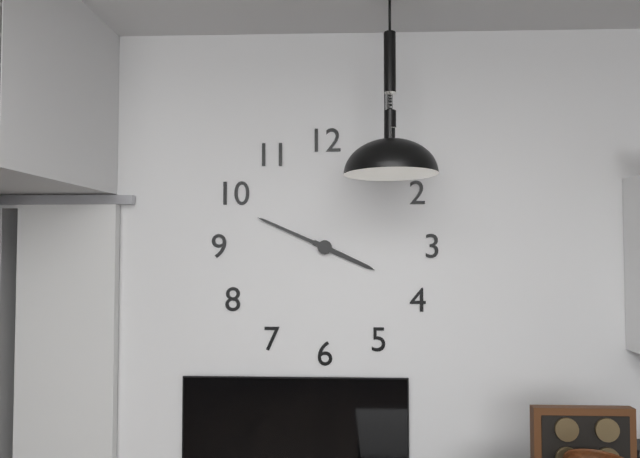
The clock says 3:49
